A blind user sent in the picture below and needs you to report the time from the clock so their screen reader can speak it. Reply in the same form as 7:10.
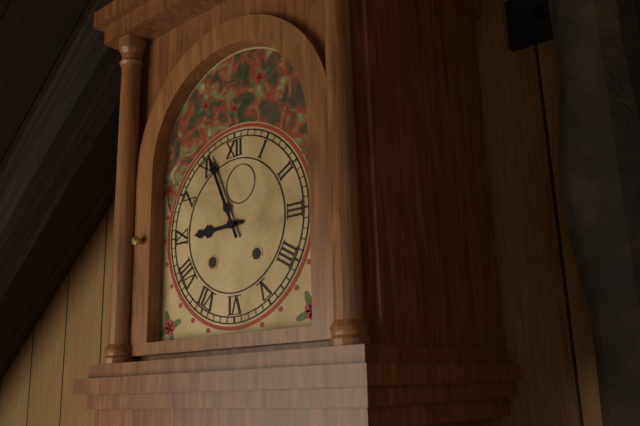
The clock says 8:56
